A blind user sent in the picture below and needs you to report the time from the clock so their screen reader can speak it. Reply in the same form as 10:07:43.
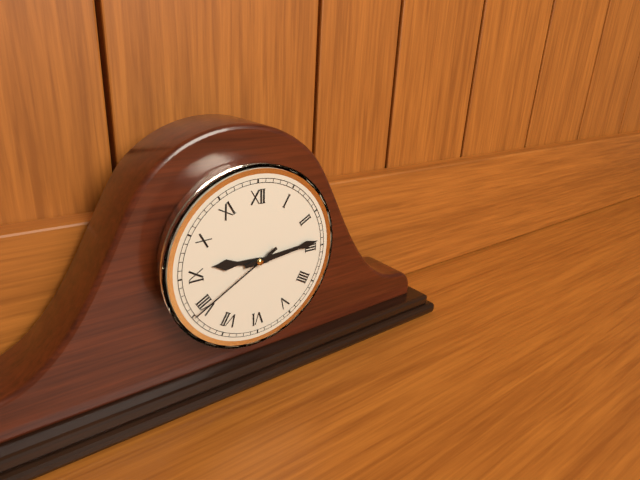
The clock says 9:14:40
